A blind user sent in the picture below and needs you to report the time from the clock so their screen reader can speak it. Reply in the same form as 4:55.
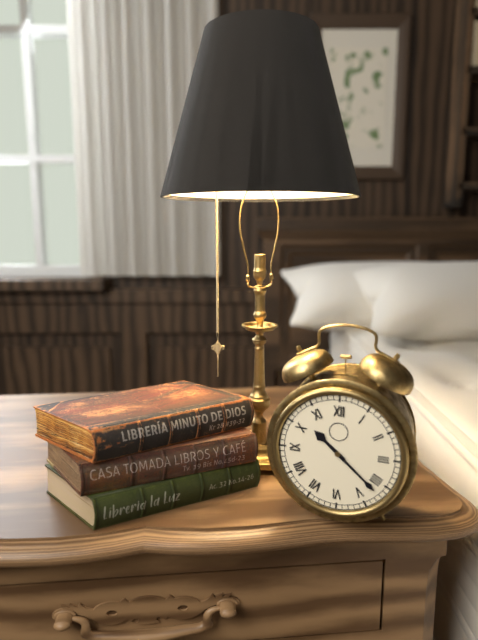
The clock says 10:22
